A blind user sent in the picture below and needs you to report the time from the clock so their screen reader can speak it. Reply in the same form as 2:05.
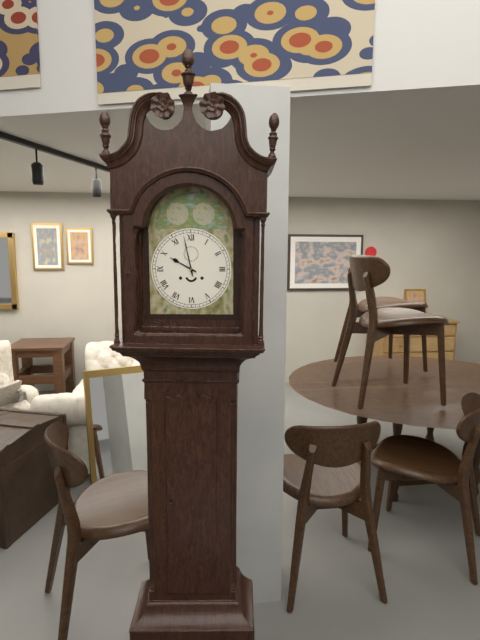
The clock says 9:58
